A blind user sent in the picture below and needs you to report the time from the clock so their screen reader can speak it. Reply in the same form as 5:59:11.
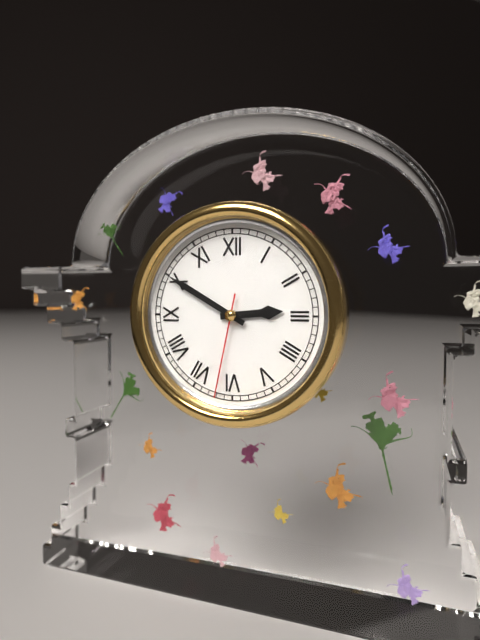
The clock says 2:50:32
